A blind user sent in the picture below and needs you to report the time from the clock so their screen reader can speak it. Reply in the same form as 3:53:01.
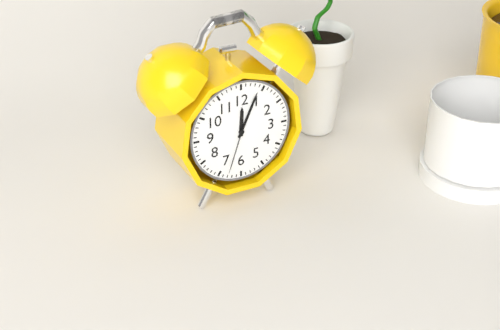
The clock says 12:04:33
